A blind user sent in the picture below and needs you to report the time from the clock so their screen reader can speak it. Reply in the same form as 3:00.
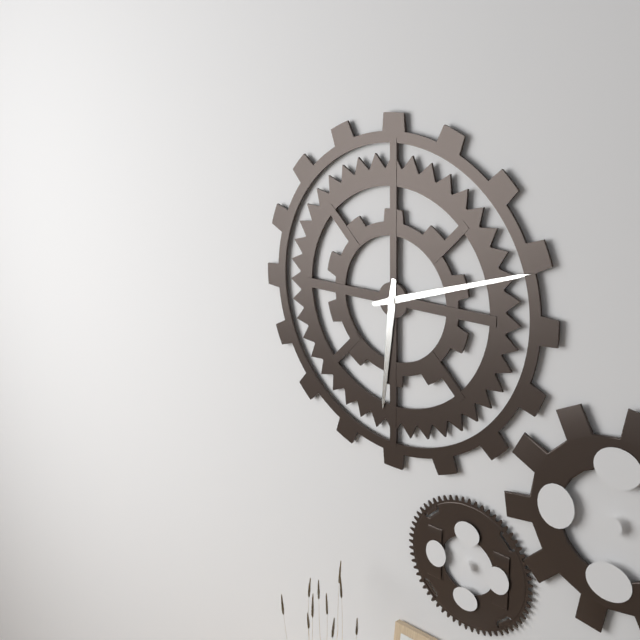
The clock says 6:12
